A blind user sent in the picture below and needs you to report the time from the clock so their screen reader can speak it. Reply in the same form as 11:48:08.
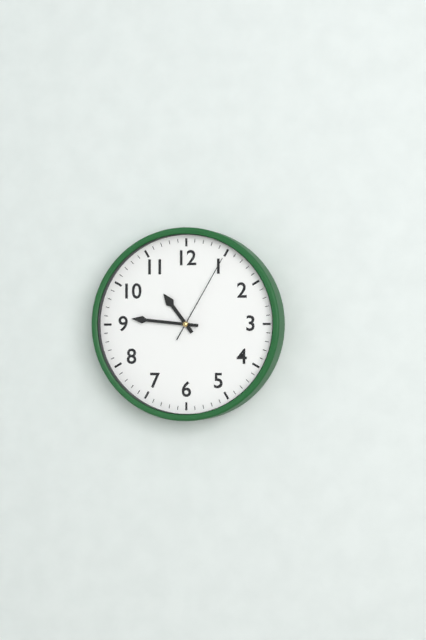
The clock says 10:46:05
